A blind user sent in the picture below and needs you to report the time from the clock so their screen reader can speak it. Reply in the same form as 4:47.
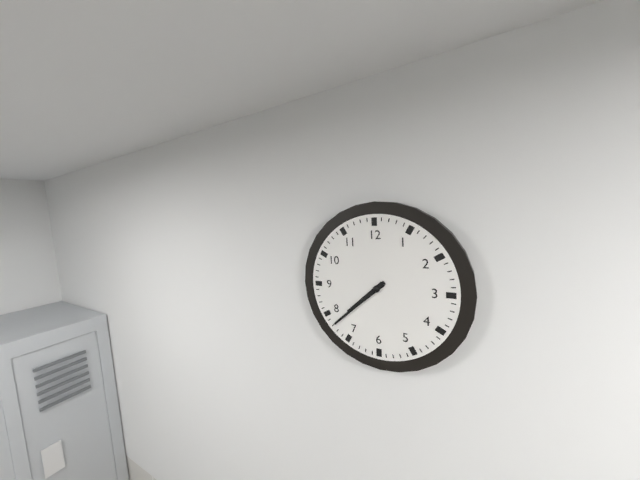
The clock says 7:38
